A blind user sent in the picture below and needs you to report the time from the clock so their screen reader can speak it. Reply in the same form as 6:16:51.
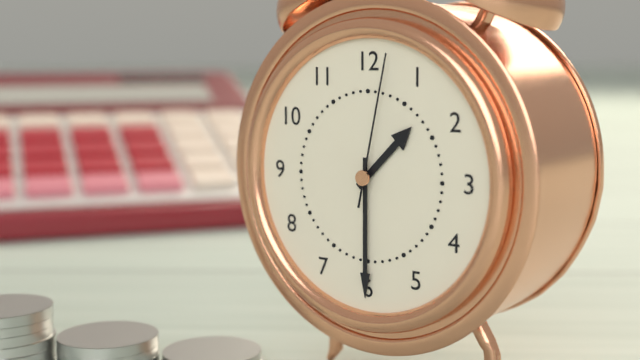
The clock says 1:30:02
